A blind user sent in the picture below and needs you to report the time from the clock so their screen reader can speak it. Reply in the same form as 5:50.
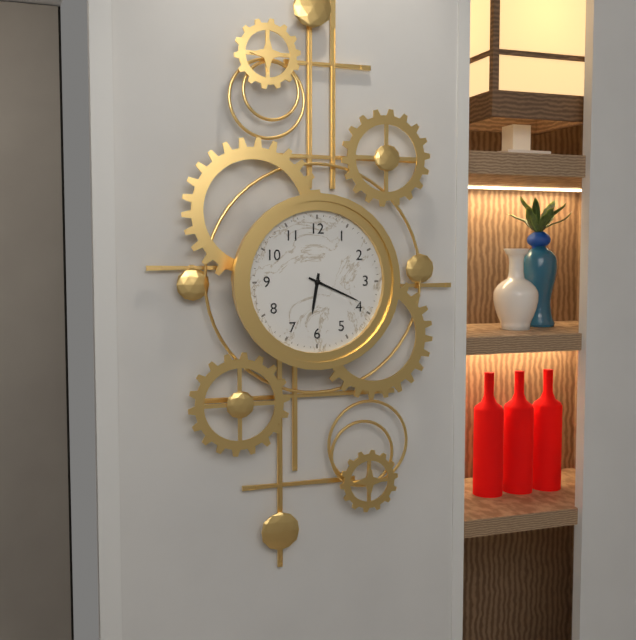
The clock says 6:19
